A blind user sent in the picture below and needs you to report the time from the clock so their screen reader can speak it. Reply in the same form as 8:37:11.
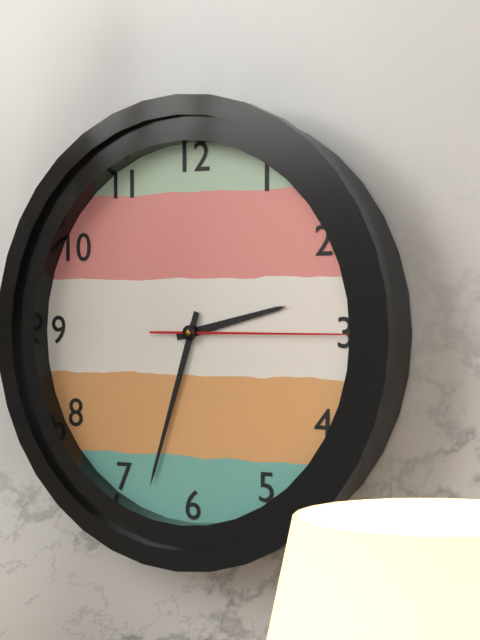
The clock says 2:33:15
